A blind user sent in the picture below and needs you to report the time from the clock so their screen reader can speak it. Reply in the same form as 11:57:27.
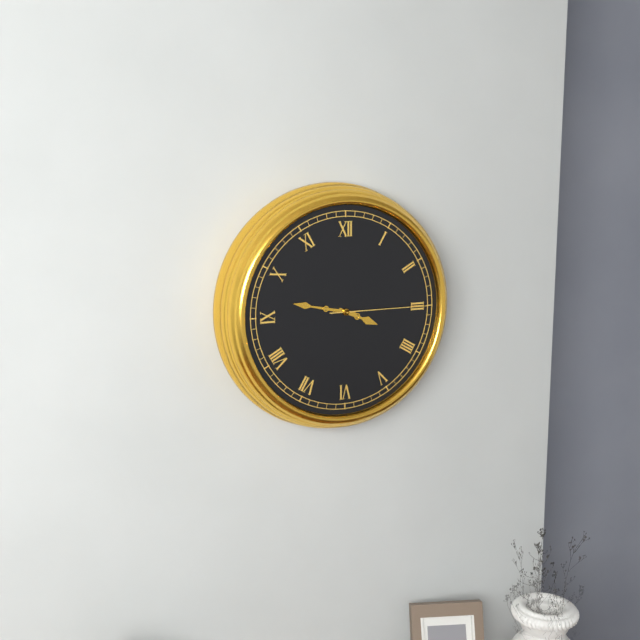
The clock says 3:47:15
